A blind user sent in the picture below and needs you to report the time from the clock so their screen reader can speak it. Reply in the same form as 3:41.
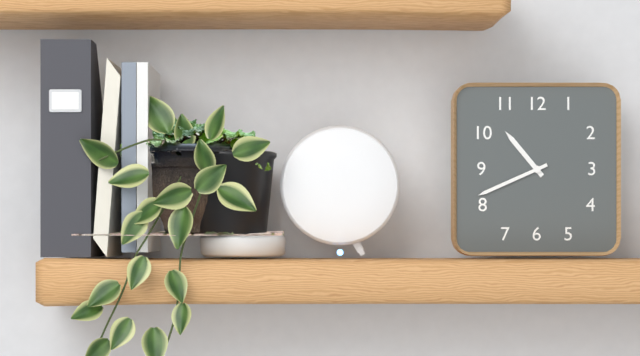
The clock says 10:41
